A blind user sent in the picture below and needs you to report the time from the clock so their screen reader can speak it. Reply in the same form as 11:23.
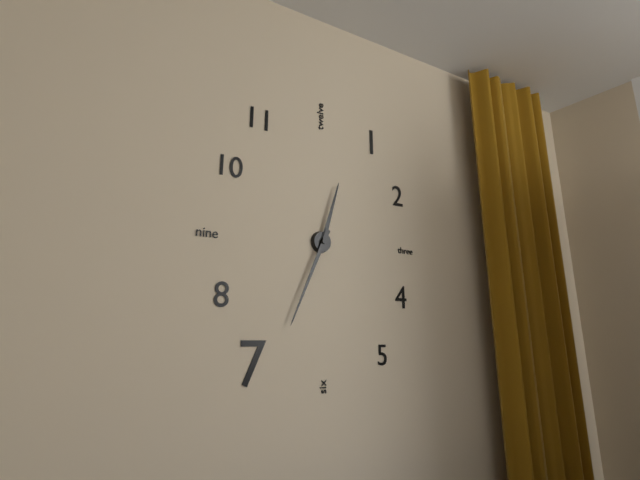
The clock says 12:34
